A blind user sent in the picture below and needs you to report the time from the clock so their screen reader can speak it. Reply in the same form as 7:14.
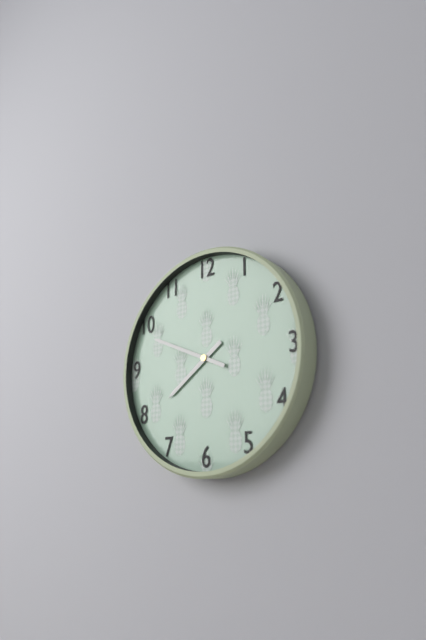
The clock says 7:49
